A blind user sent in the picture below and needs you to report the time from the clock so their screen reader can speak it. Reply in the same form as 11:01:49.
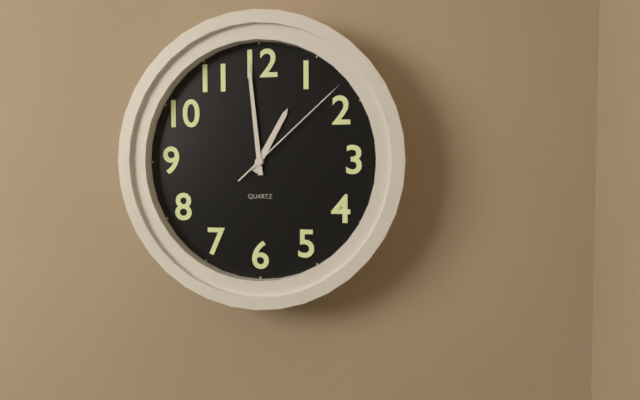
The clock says 12:59:08
